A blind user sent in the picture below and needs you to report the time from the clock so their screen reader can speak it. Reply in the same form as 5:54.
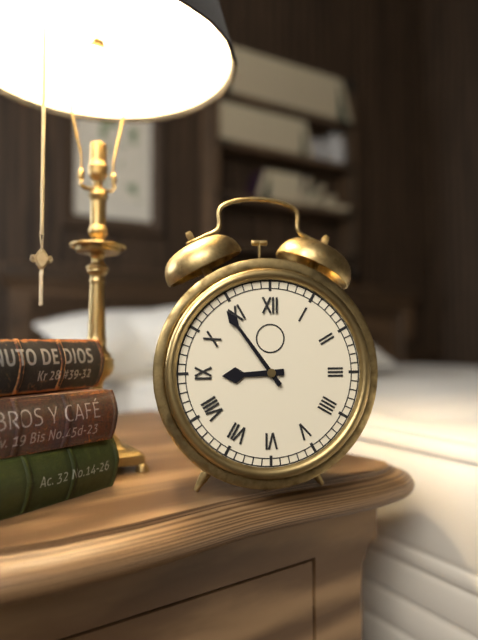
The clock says 8:54
